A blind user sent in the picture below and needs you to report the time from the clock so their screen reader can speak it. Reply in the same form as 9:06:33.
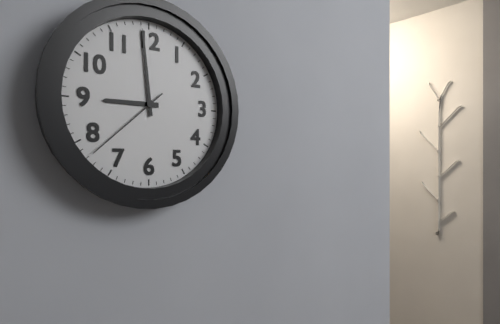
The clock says 8:59:38
